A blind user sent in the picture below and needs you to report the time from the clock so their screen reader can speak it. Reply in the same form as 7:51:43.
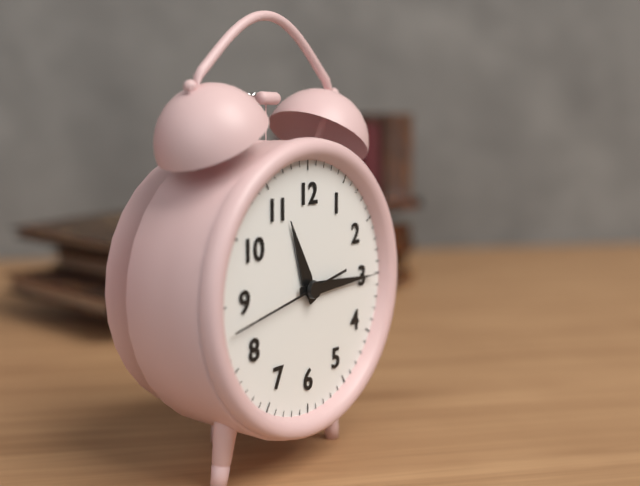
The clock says 11:15:43
